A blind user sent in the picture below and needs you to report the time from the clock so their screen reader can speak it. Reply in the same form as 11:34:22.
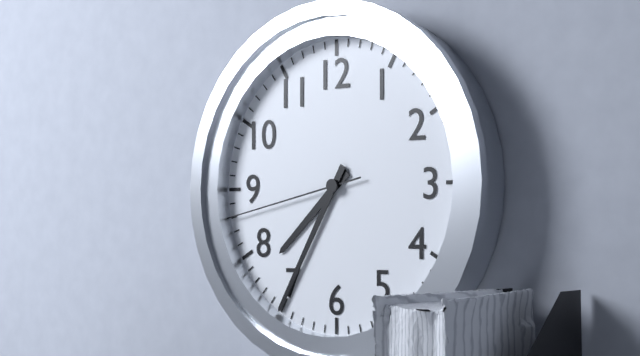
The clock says 7:35:43
